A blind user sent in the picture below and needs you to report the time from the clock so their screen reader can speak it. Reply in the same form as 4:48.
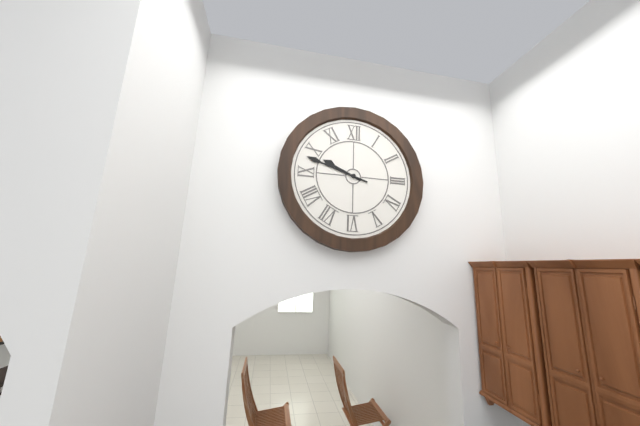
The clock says 9:48
